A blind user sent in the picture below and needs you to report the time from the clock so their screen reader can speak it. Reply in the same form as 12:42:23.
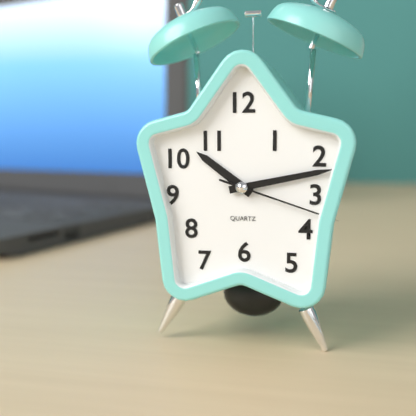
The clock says 10:13:18
